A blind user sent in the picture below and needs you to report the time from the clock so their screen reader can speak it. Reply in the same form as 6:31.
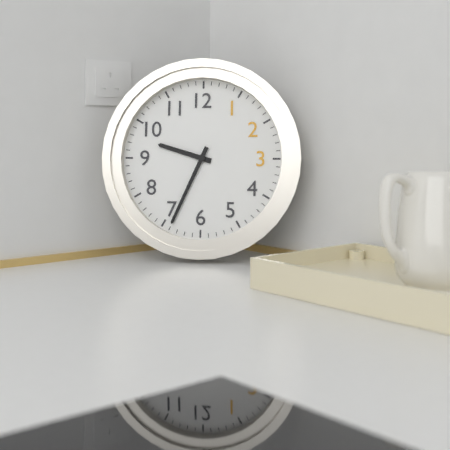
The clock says 9:34
